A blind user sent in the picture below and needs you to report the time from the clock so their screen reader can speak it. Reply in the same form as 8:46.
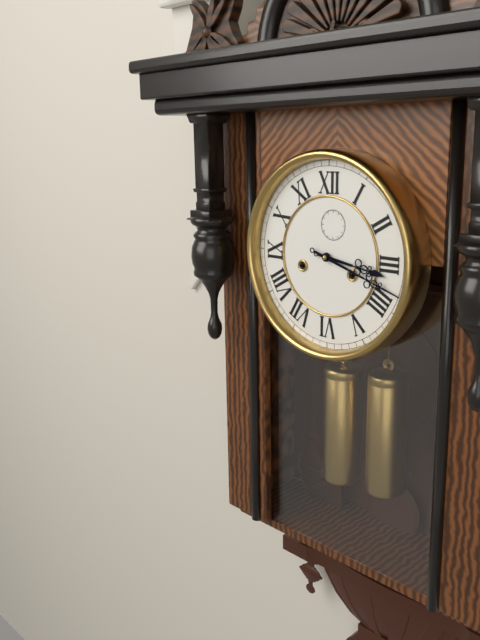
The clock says 3:18
